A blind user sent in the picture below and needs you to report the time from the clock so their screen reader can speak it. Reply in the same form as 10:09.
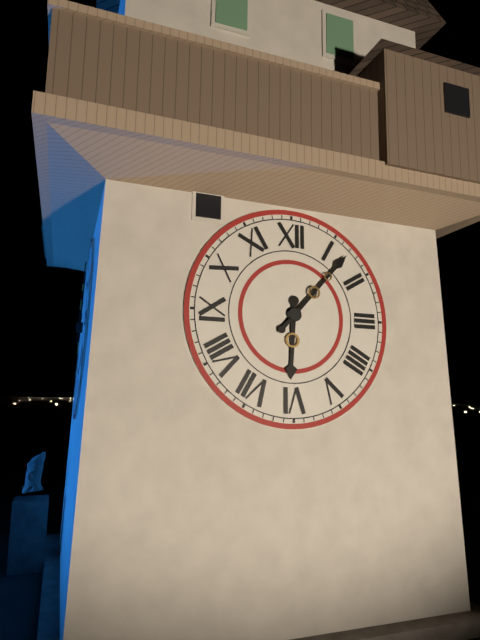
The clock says 6:07
